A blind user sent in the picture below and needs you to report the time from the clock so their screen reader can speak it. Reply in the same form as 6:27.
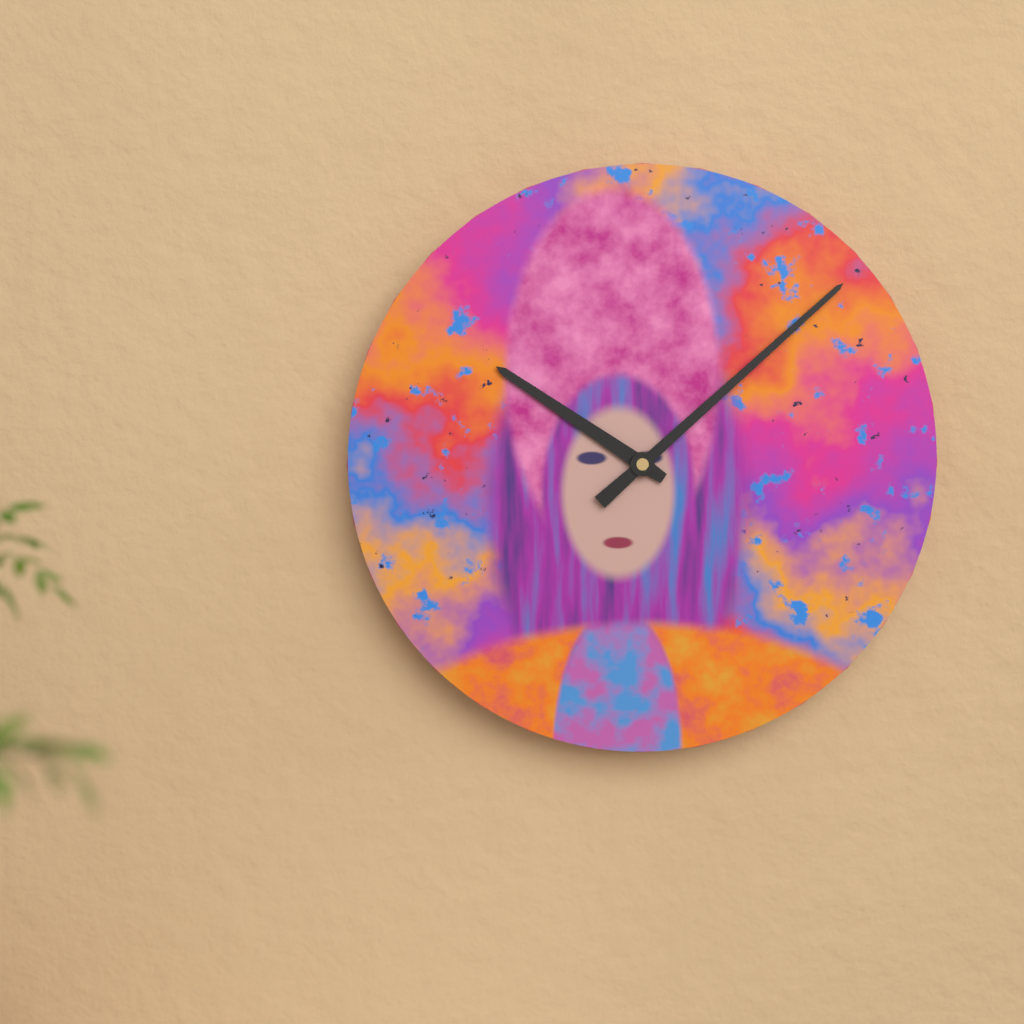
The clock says 10:08
